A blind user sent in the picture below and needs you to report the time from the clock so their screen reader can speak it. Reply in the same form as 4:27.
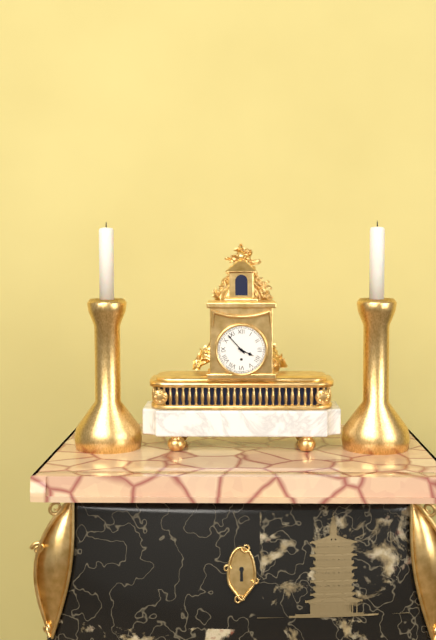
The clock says 3:53
